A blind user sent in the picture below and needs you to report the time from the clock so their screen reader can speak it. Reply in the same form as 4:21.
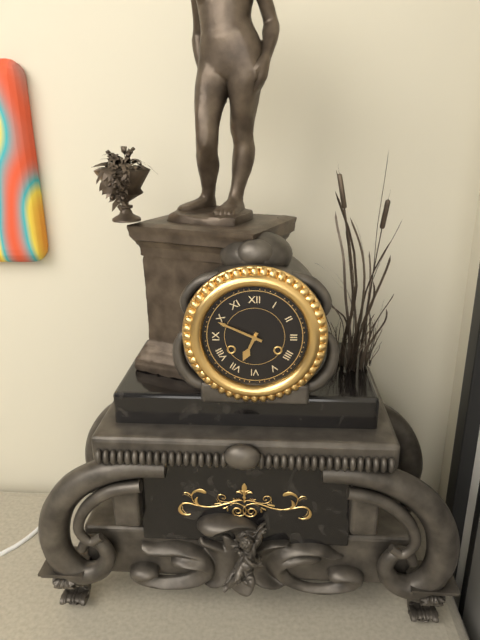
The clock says 6:49
